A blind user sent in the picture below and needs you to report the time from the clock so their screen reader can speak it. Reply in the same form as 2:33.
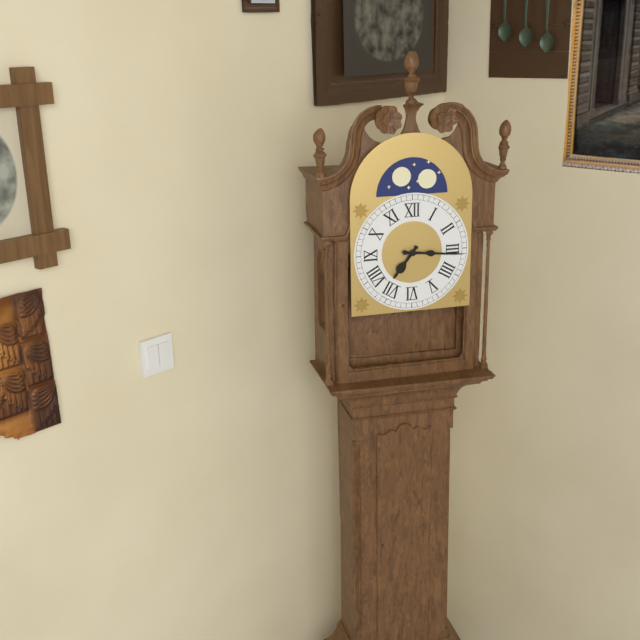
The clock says 7:16
